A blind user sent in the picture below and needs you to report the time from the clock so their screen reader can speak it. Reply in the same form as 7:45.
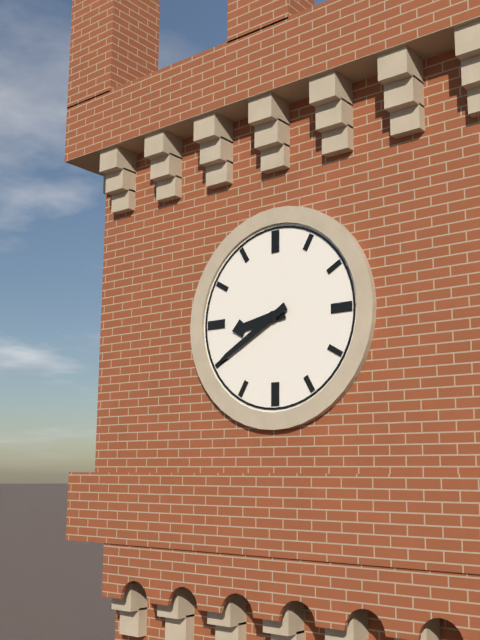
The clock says 8:40
